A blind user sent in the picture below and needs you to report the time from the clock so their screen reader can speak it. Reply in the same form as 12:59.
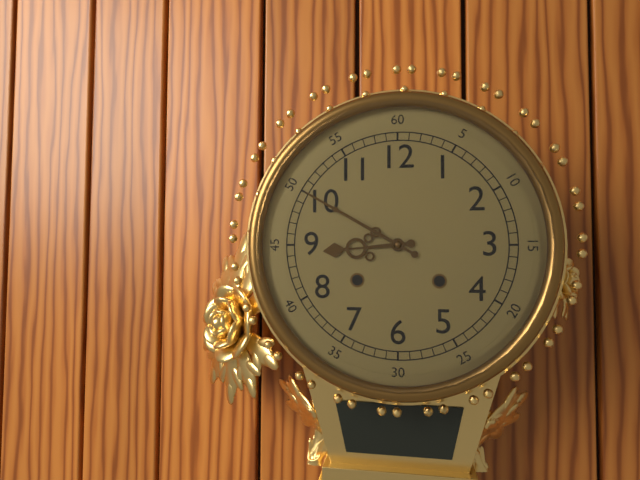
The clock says 8:50
